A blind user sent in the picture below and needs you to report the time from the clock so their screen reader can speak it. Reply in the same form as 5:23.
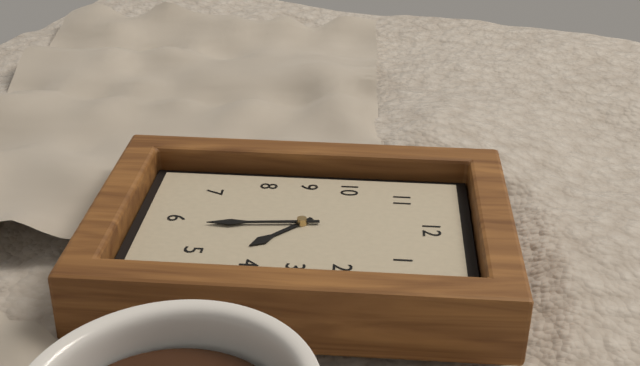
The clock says 4:29
